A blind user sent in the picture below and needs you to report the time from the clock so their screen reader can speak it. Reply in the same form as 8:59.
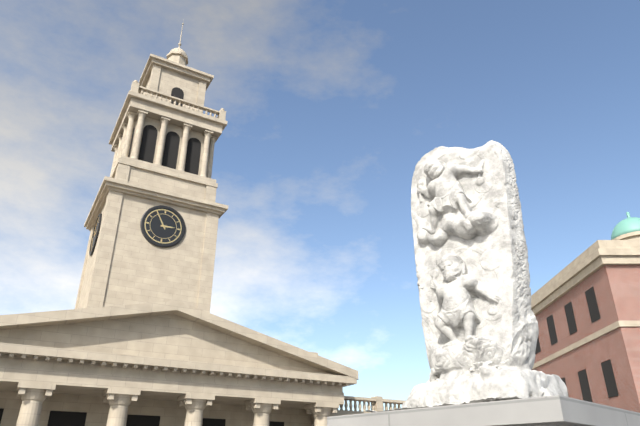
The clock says 2:55
